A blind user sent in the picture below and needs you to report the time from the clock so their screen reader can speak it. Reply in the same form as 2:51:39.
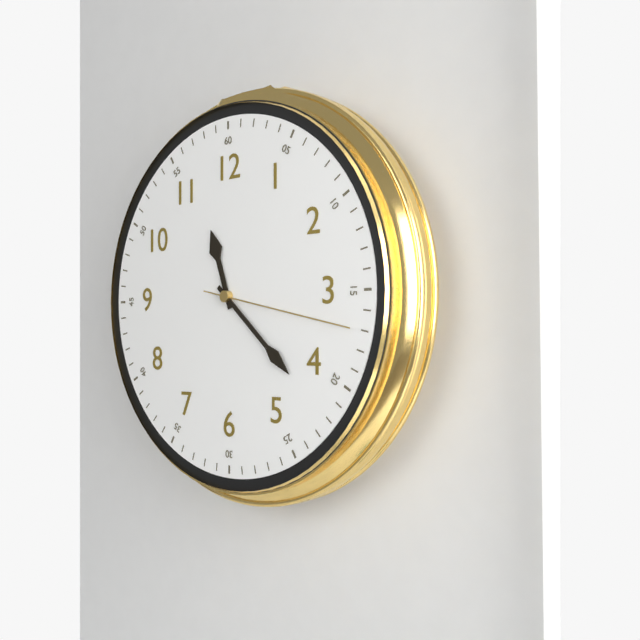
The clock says 11:22:17
